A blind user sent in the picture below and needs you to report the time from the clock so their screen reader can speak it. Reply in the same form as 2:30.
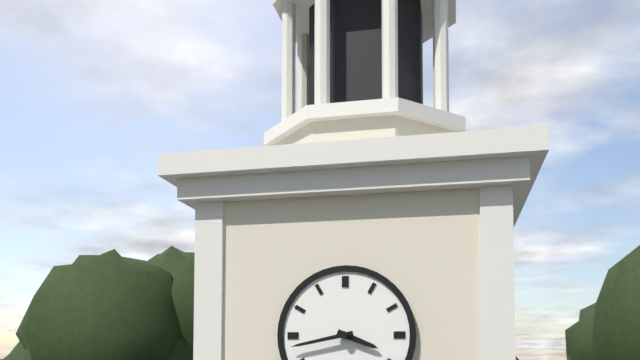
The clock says 3:43
